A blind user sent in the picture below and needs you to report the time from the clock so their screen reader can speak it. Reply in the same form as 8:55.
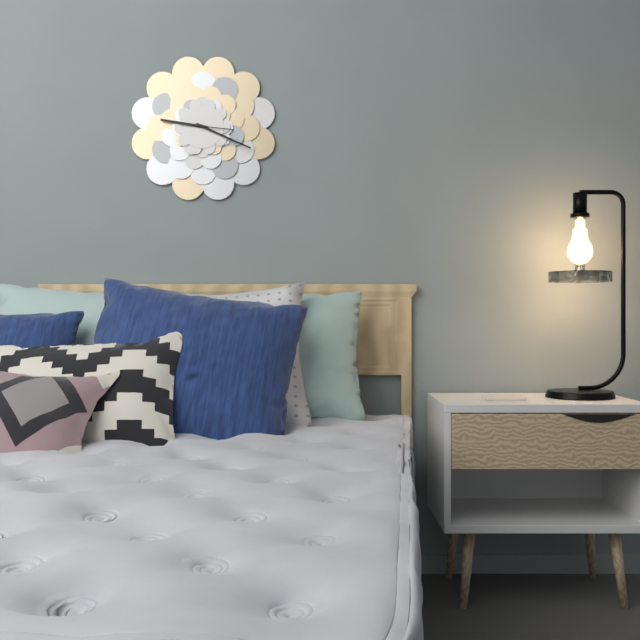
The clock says 9:19
